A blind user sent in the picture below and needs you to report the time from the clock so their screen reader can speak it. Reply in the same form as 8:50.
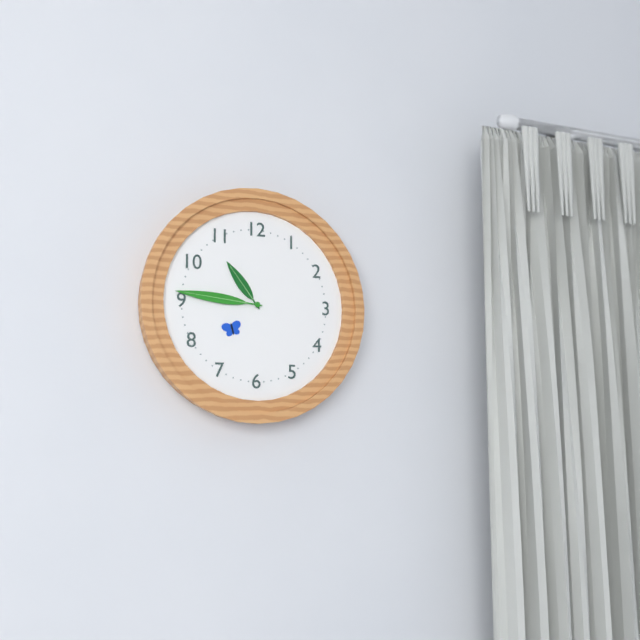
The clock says 10:46
